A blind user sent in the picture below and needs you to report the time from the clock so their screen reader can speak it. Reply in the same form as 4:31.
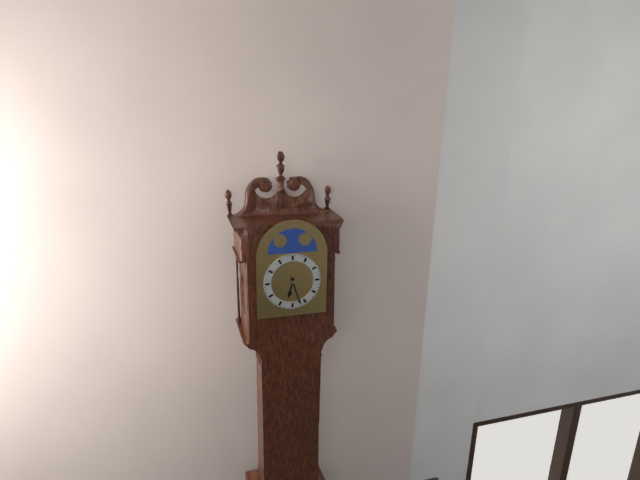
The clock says 6:27
